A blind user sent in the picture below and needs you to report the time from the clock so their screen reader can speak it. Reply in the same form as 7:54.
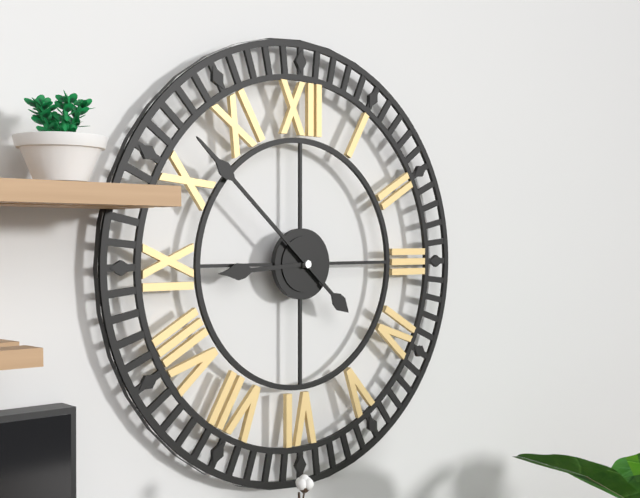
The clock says 8:52
